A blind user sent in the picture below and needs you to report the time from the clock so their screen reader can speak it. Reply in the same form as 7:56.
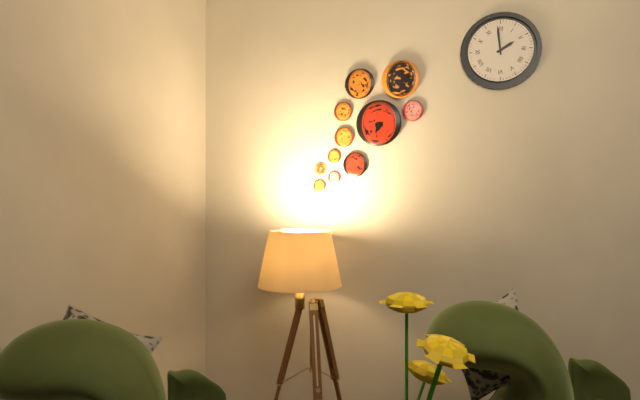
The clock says 1:59
